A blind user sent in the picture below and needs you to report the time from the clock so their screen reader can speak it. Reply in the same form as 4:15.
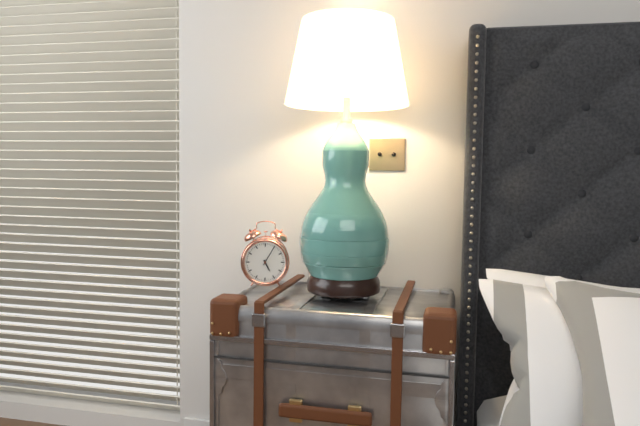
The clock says 5:05
